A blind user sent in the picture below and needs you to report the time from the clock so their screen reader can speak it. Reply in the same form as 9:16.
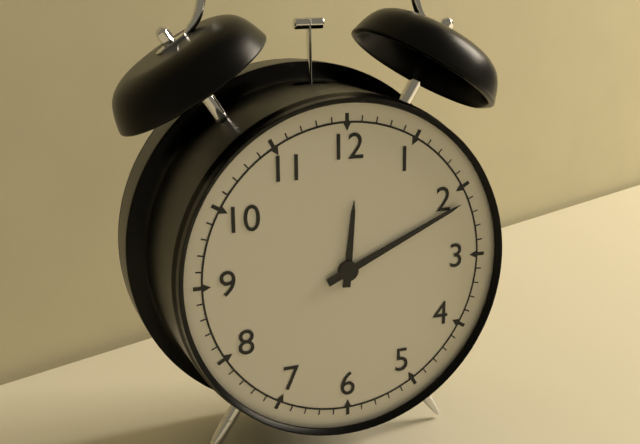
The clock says 12:11
